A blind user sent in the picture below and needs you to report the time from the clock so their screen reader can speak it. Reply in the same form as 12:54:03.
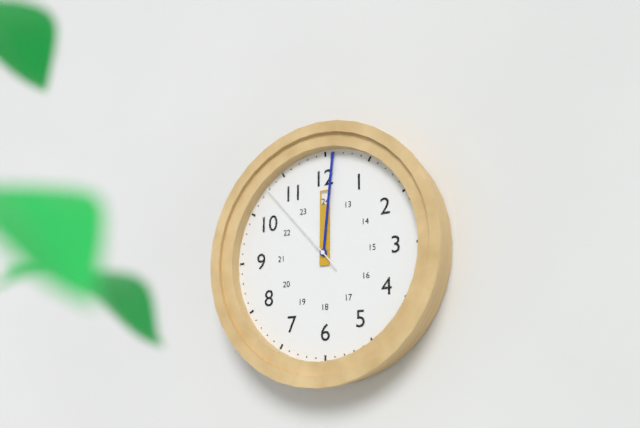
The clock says 12:01:53
